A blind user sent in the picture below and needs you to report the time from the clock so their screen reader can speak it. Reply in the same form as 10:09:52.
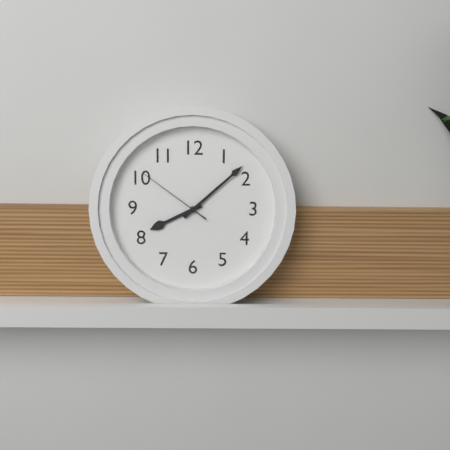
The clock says 8:08:51
